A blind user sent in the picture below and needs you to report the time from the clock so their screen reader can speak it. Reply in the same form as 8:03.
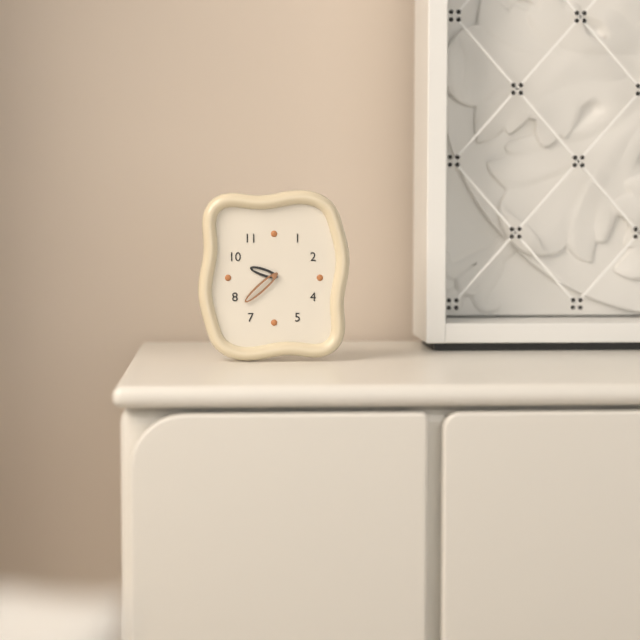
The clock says 9:38
